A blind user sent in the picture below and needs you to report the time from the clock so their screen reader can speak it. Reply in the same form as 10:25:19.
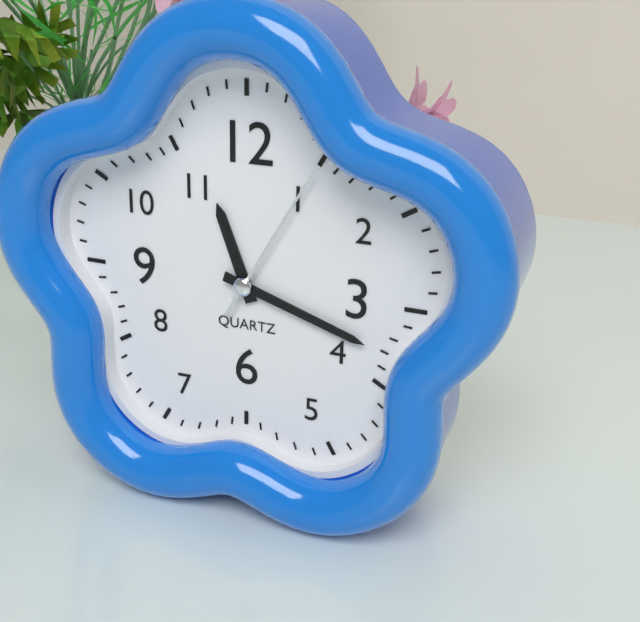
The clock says 11:18:05
